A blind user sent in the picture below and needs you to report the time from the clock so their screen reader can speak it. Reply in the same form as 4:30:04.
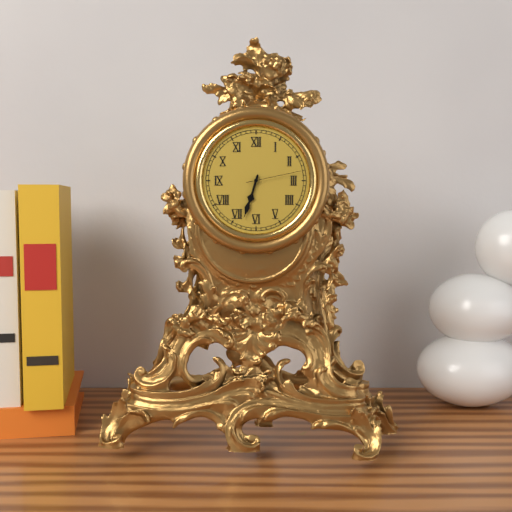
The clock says 6:33:13
